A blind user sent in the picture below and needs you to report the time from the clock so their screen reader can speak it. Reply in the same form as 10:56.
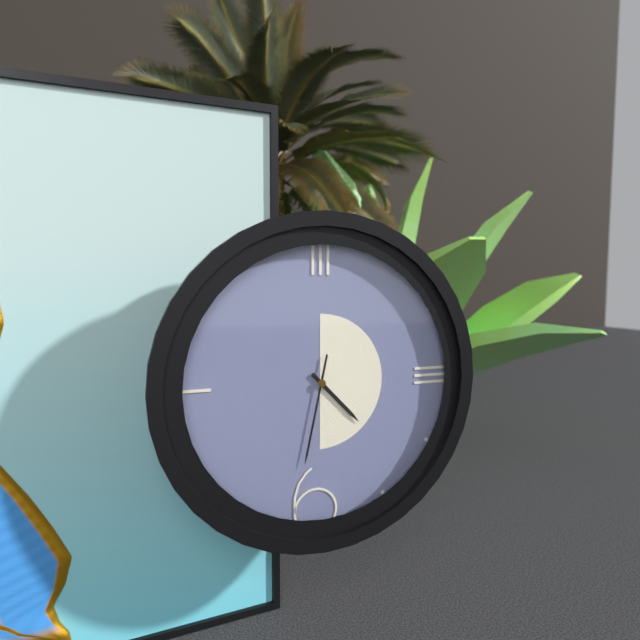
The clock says 4:32
